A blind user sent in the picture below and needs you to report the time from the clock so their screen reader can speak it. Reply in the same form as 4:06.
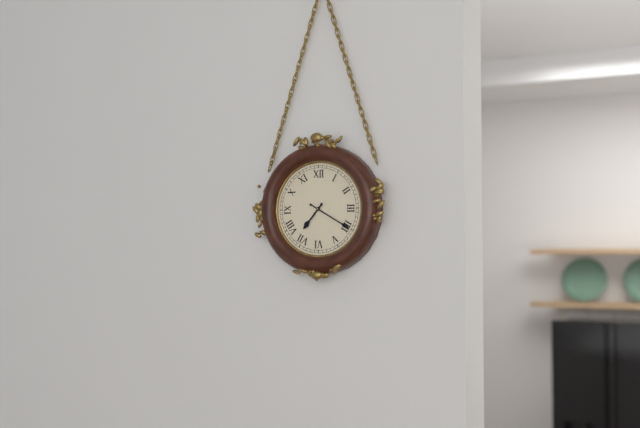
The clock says 7:20
